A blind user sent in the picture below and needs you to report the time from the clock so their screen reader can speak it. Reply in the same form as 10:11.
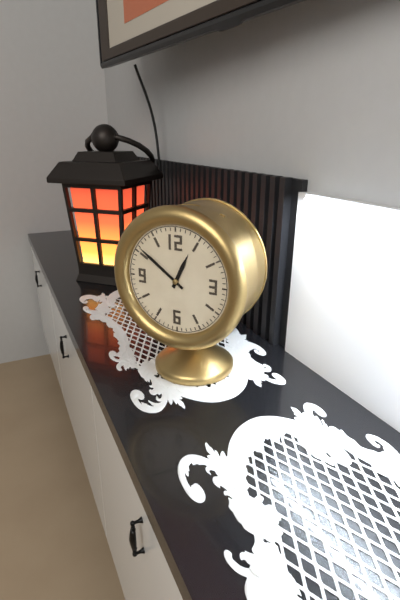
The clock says 12:51
